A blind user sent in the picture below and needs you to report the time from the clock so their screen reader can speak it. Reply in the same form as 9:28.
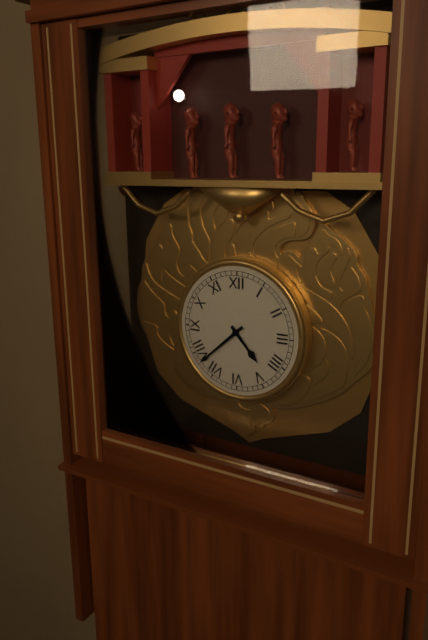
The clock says 4:38
